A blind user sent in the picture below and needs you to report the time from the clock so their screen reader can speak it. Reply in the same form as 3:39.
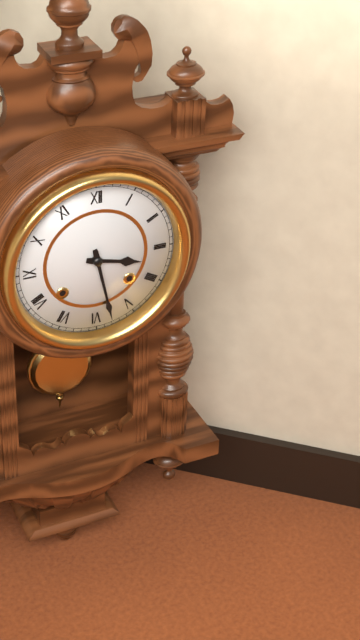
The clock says 3:28
